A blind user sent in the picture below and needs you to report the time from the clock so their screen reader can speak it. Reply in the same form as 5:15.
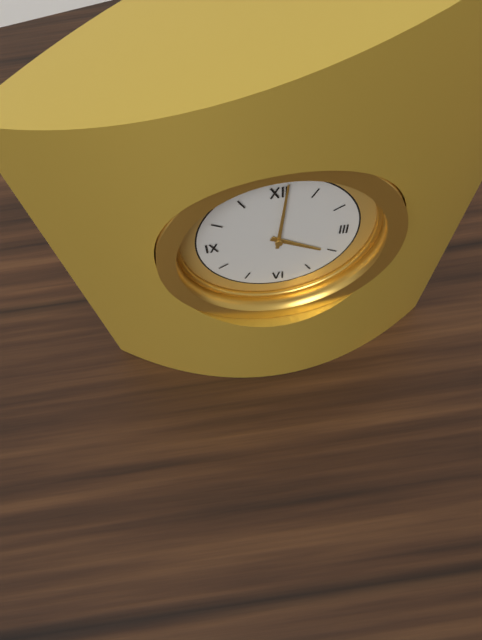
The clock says 4:01
